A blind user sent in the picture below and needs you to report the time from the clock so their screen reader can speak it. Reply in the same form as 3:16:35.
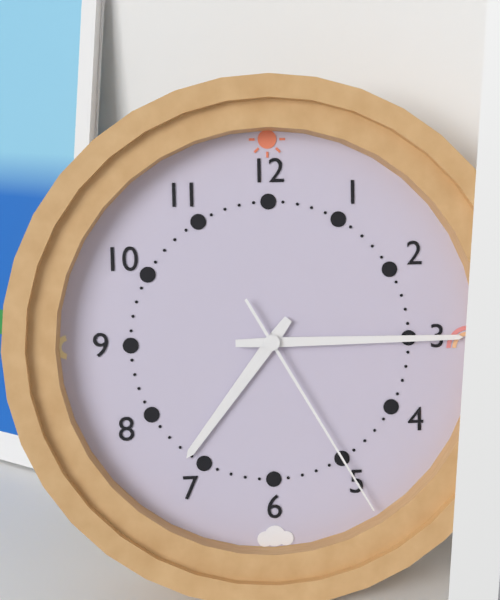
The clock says 7:15:25
